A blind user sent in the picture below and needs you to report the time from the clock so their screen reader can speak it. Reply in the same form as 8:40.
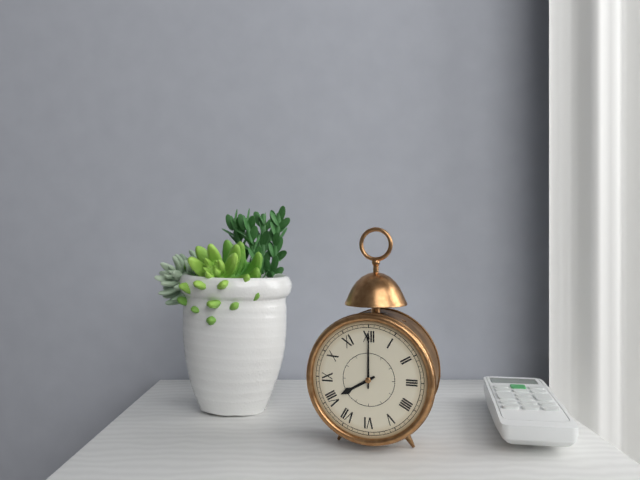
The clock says 8:00
